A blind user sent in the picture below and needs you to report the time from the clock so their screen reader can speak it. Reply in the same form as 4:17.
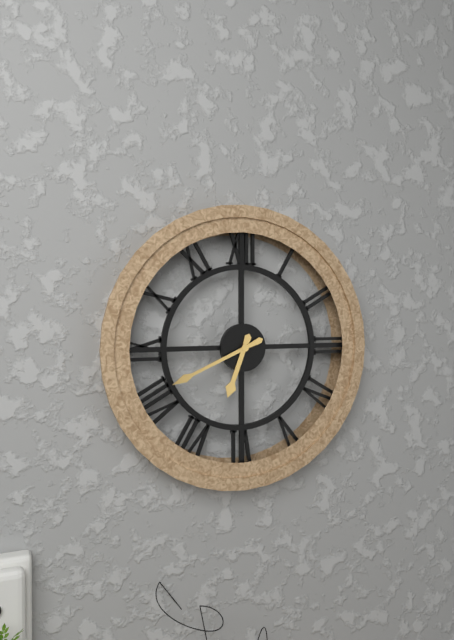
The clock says 6:41
